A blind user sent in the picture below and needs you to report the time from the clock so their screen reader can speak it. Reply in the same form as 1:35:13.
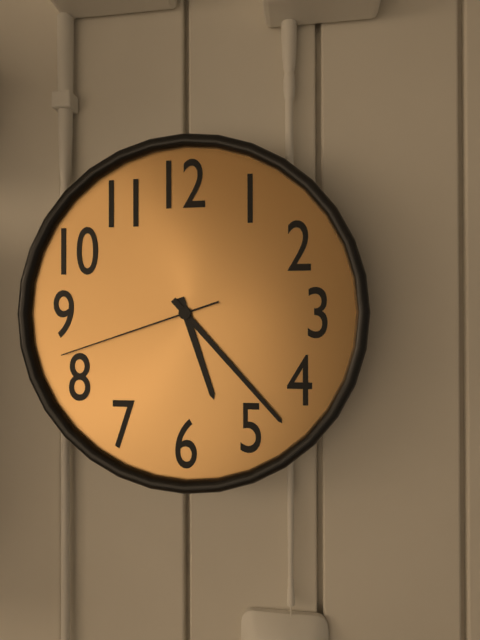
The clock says 5:23:42
